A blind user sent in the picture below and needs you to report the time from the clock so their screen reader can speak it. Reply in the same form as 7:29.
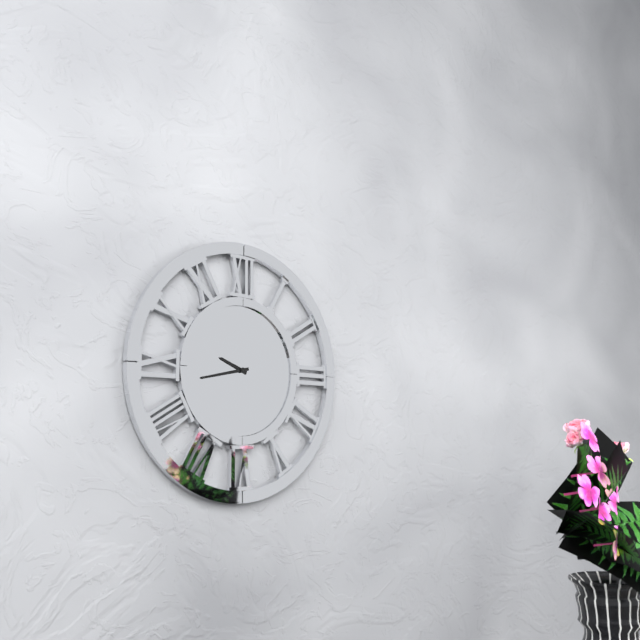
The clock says 9:43
